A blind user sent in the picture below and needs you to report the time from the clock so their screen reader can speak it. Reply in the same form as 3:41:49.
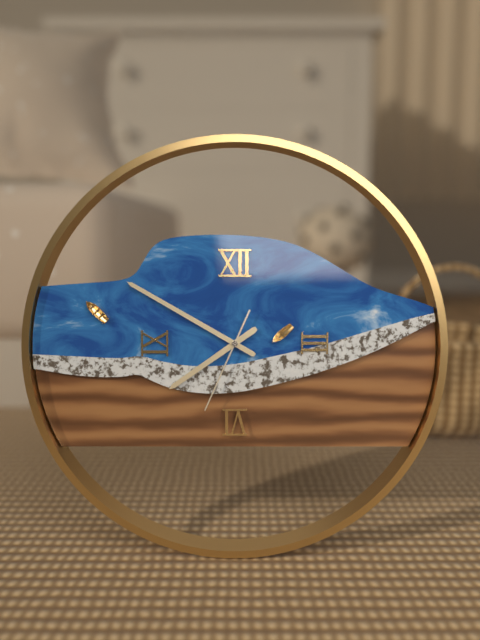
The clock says 7:50:34
